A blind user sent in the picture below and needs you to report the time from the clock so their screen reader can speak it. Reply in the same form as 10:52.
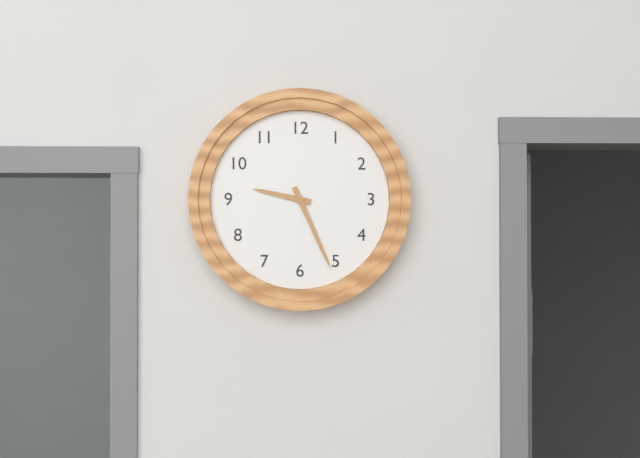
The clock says 9:26
